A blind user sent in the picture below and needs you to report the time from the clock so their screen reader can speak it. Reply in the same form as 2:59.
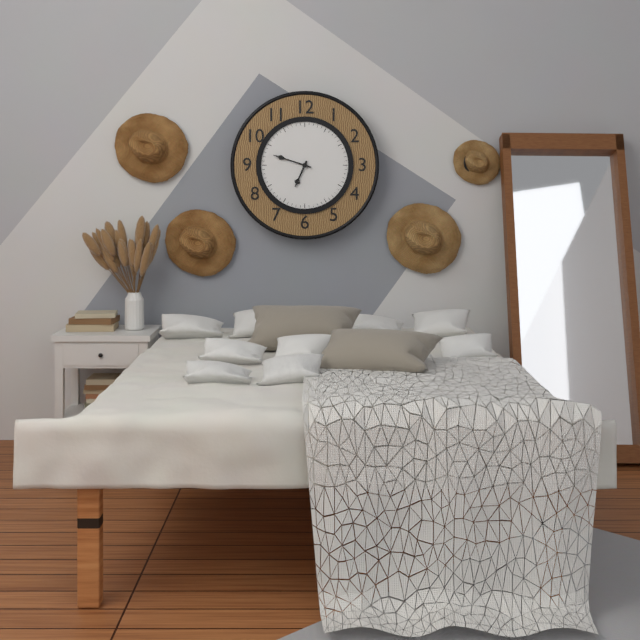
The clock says 6:48
